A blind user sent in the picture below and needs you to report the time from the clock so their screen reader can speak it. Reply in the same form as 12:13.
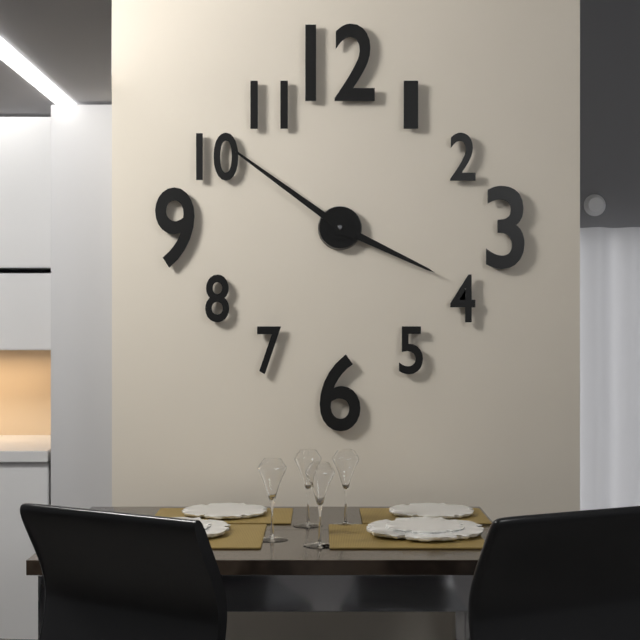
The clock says 3:51
